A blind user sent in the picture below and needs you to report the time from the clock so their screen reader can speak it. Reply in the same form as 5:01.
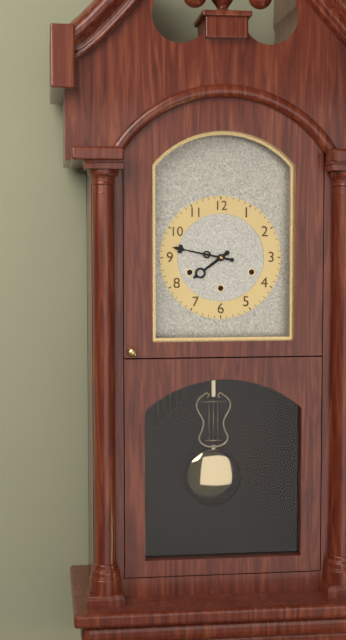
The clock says 7:47
